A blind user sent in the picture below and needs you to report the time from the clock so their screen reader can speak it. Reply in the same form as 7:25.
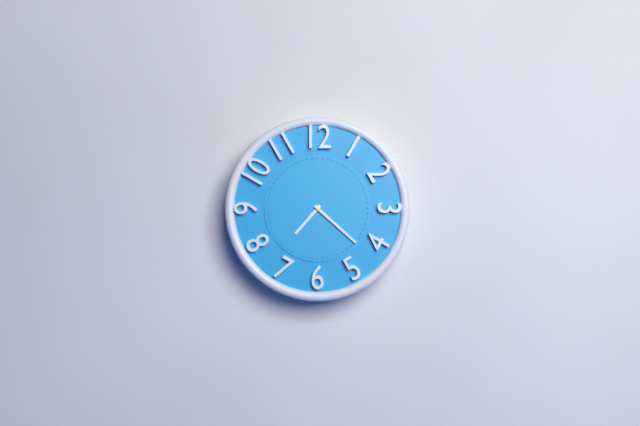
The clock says 7:22
